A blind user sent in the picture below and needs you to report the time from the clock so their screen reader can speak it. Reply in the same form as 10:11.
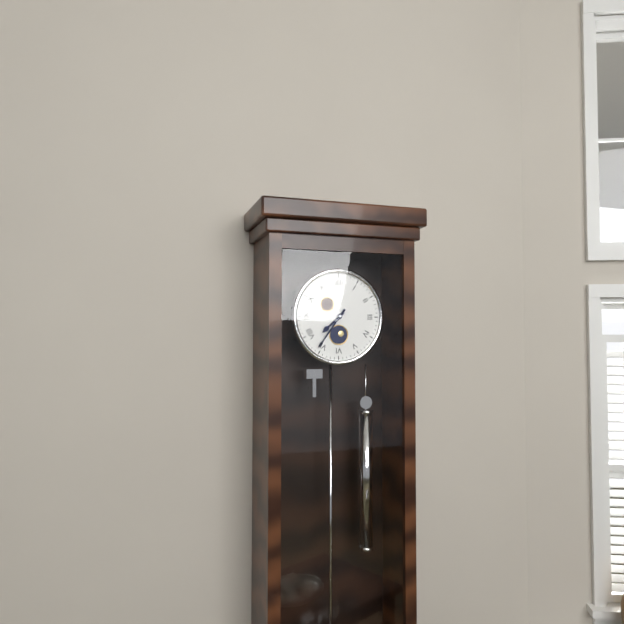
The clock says 7:36
